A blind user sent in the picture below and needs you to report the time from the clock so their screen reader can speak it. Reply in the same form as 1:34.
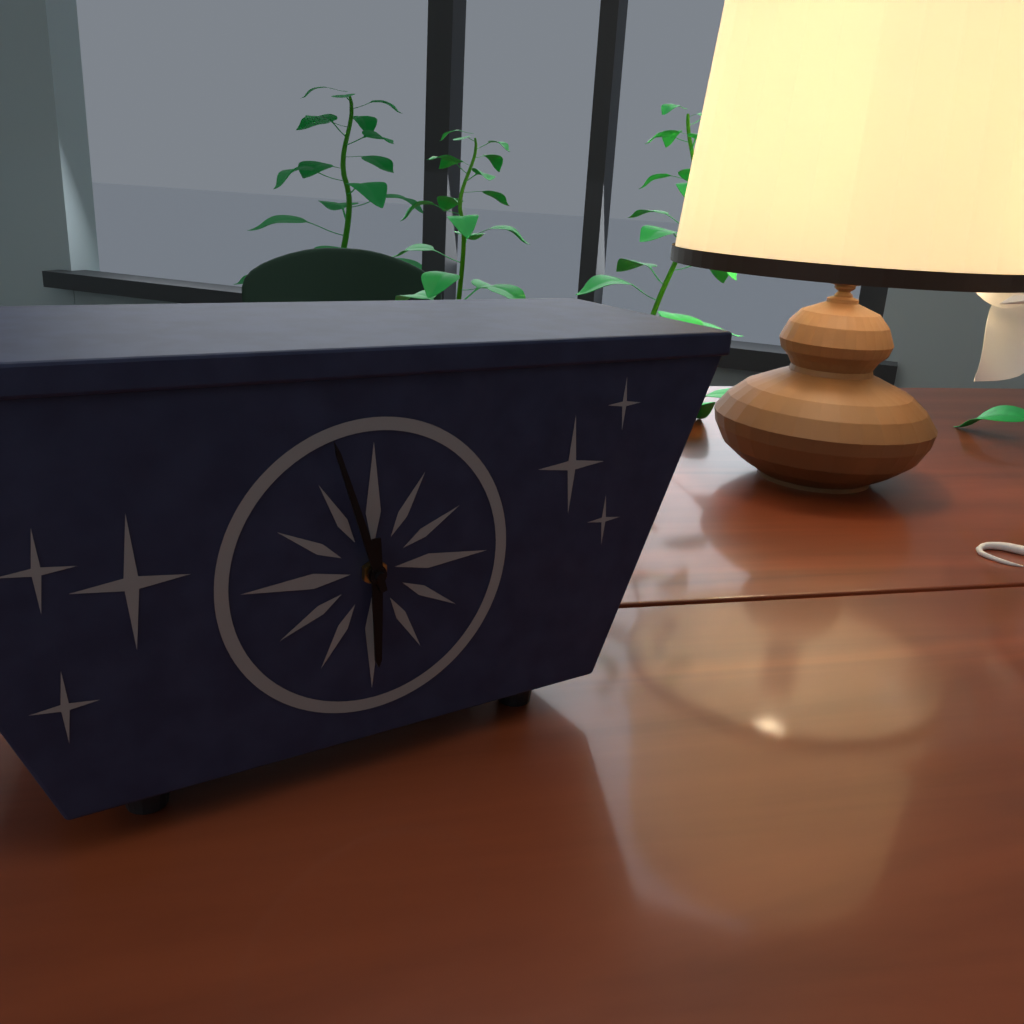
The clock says 5:57
